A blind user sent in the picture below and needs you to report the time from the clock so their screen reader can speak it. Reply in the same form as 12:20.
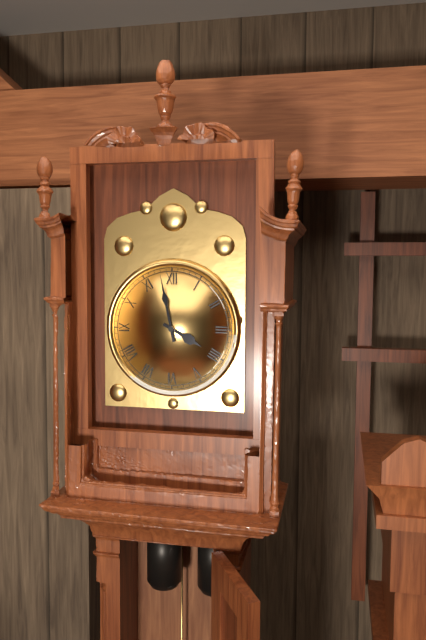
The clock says 3:58
